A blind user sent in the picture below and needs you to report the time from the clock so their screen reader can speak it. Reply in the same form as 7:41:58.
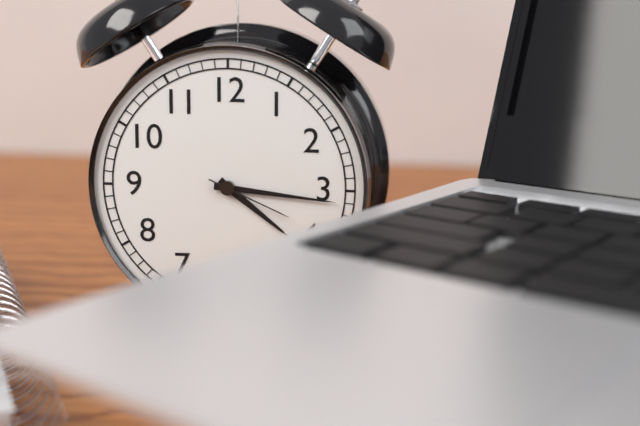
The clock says 4:16:19
